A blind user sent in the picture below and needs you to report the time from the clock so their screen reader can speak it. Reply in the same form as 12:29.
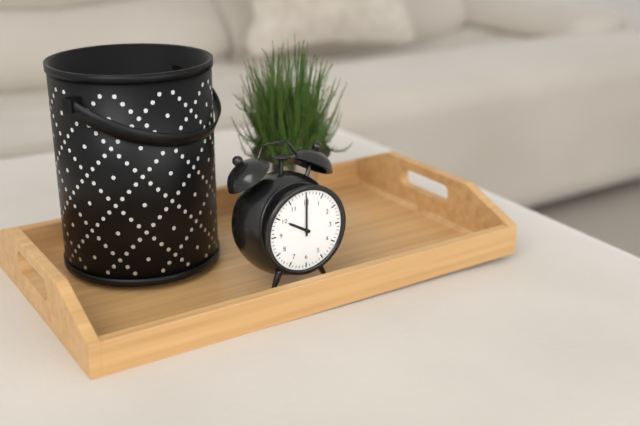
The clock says 10:00
